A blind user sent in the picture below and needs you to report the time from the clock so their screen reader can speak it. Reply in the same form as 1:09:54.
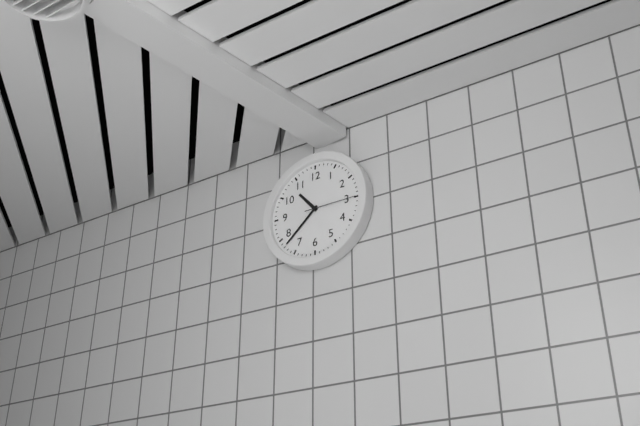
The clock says 10:38:15
